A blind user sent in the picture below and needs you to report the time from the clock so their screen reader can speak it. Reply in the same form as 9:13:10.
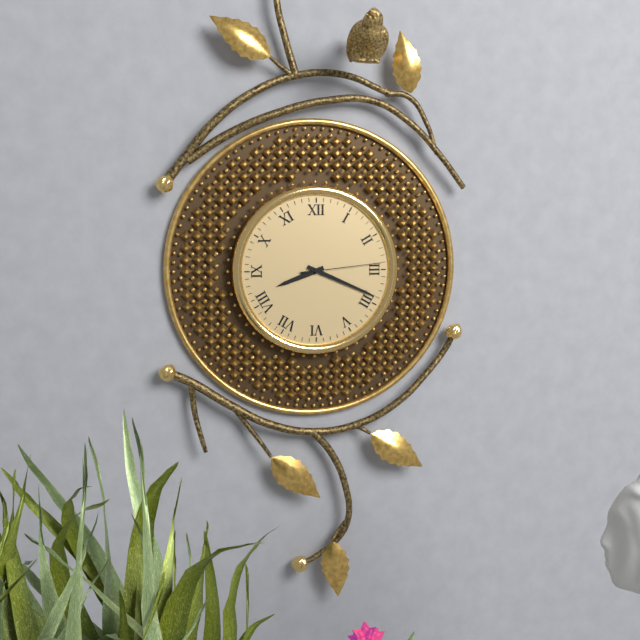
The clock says 8:19:14
